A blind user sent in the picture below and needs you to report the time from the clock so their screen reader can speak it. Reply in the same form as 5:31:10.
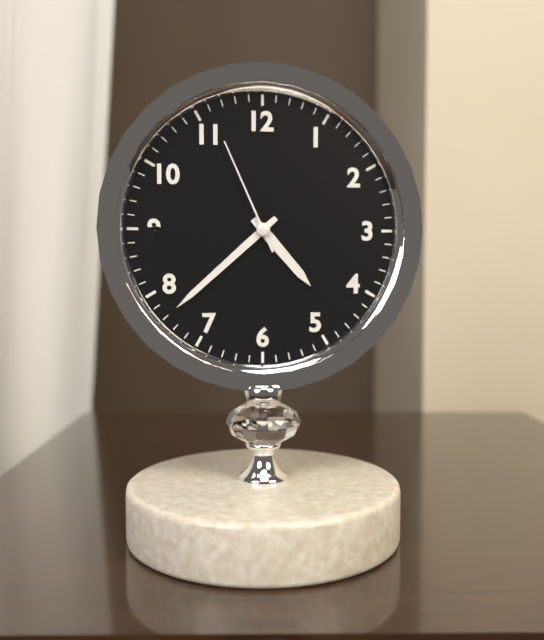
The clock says 4:38:56
